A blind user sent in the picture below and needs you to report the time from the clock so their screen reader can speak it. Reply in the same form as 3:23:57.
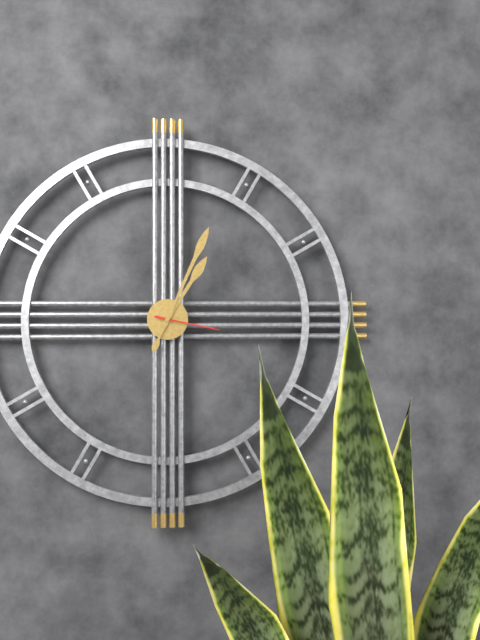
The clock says 1:04:17
